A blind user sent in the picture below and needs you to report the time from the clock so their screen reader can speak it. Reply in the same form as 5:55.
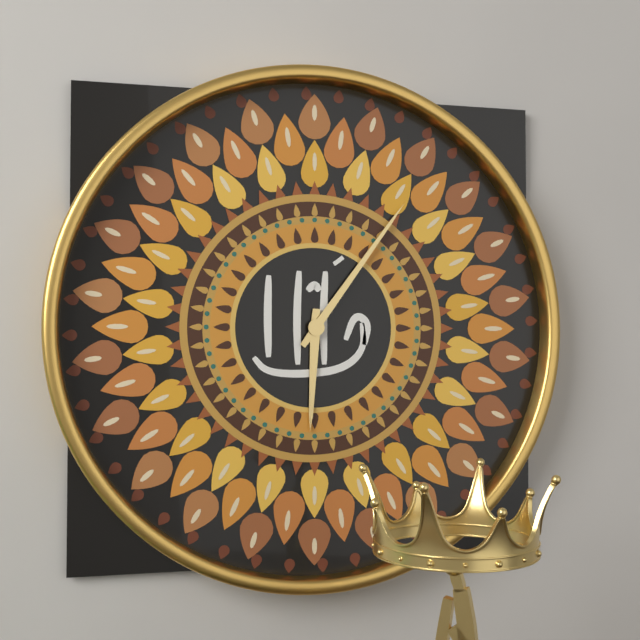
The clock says 6:06
